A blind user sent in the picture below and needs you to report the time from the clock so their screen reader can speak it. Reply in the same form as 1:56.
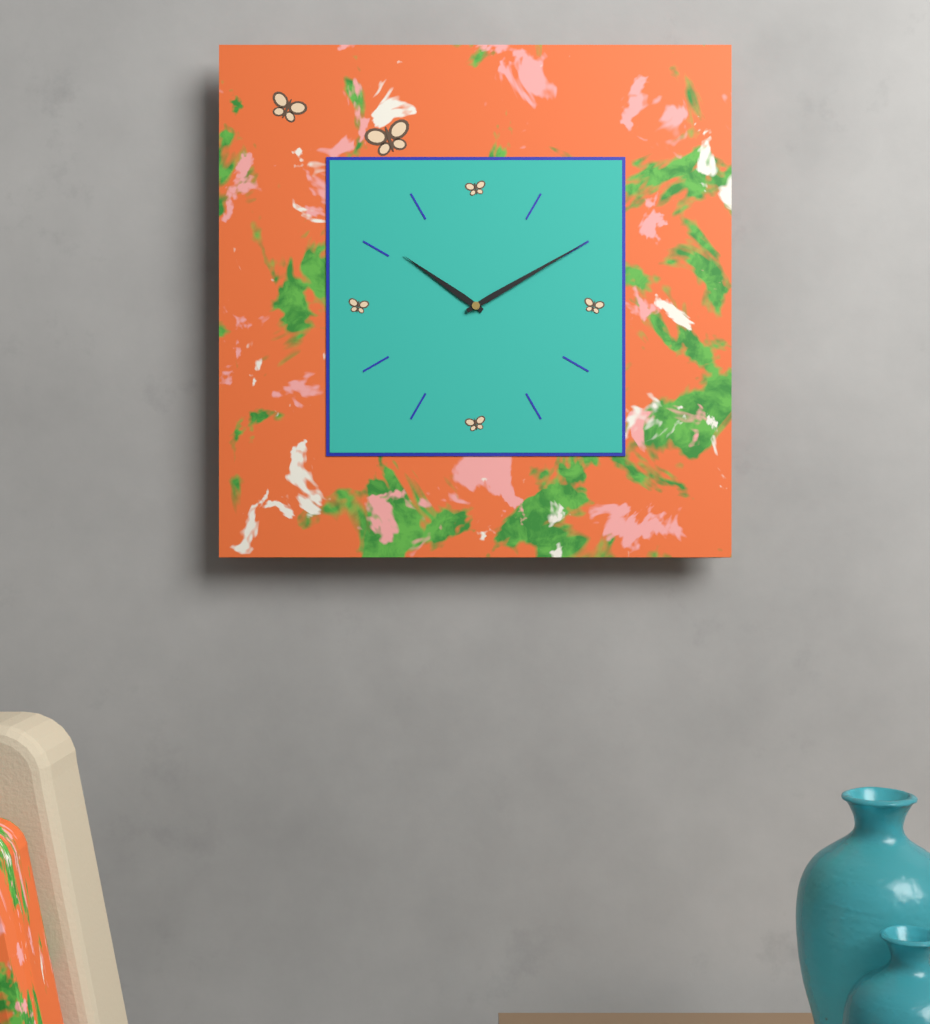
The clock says 10:10
